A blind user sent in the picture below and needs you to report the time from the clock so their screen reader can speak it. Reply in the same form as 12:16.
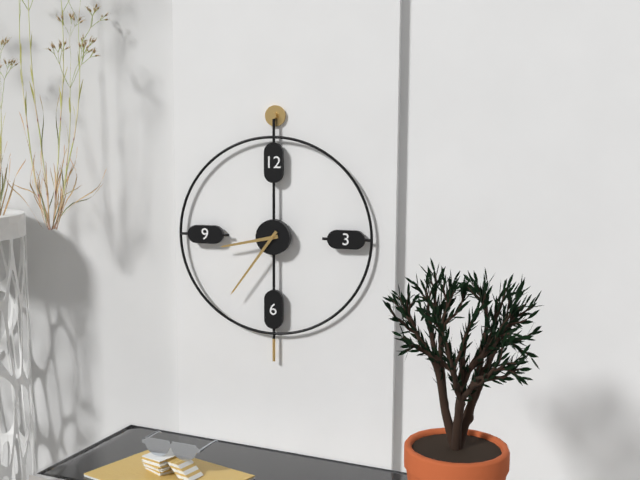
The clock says 8:36
